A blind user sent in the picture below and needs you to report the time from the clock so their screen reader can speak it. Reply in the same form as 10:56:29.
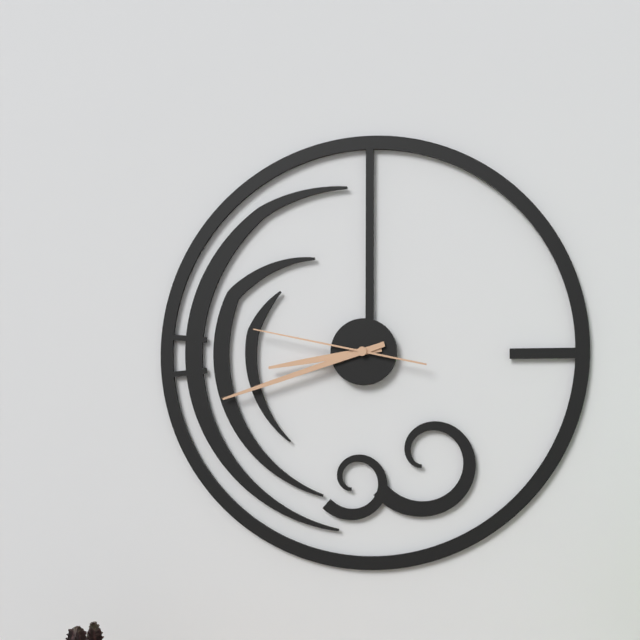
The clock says 8:42:47
